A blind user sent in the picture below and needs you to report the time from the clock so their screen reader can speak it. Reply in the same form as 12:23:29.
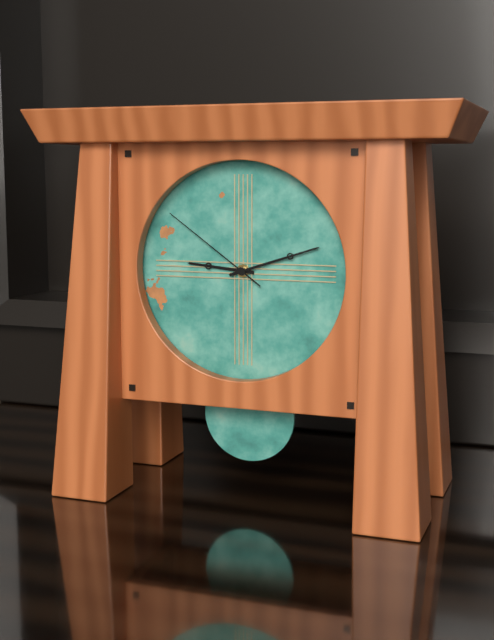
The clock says 9:12:51
